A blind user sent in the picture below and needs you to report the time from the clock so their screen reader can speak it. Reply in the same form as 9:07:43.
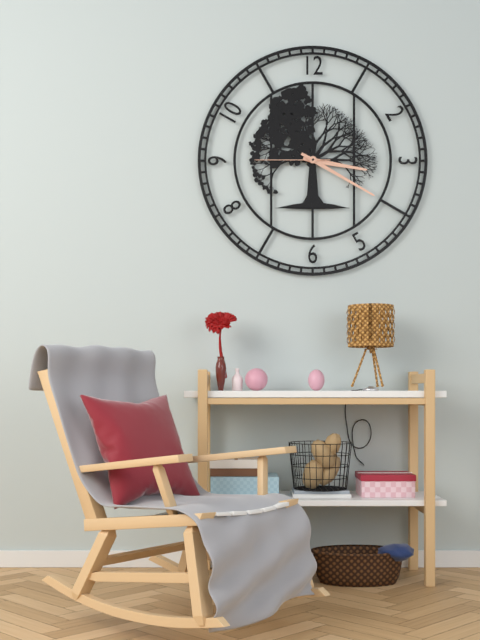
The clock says 3:20:45
